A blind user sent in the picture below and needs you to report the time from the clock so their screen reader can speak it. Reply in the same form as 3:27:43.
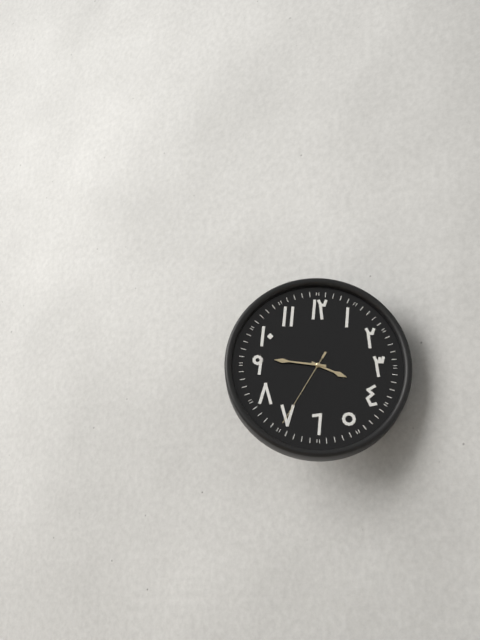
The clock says 3:46:35
